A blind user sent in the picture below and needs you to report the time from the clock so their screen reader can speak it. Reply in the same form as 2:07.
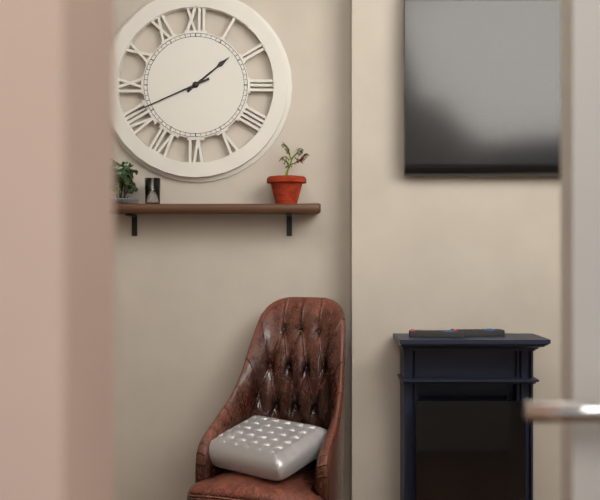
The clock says 1:41
